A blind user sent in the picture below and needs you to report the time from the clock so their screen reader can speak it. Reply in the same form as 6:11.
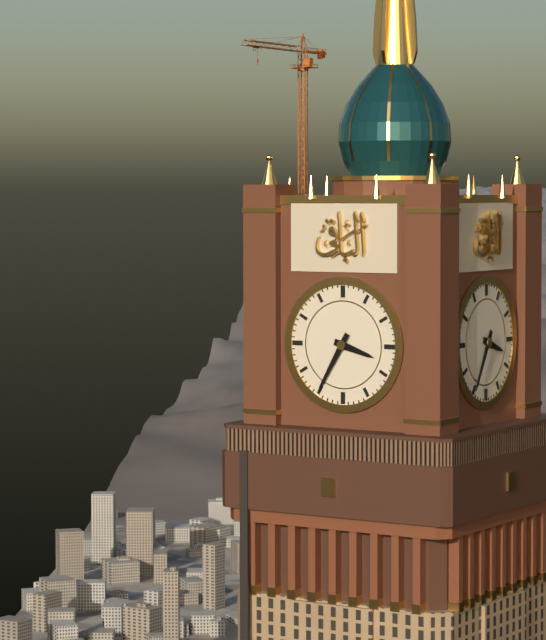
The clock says 3:35
